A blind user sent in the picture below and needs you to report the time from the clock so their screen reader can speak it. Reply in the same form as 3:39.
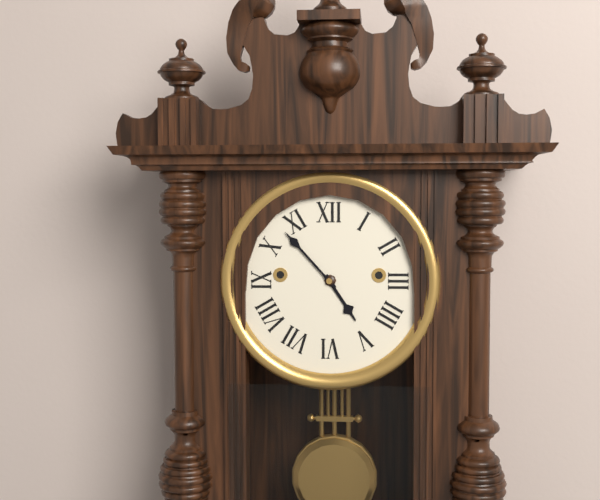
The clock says 4:53
